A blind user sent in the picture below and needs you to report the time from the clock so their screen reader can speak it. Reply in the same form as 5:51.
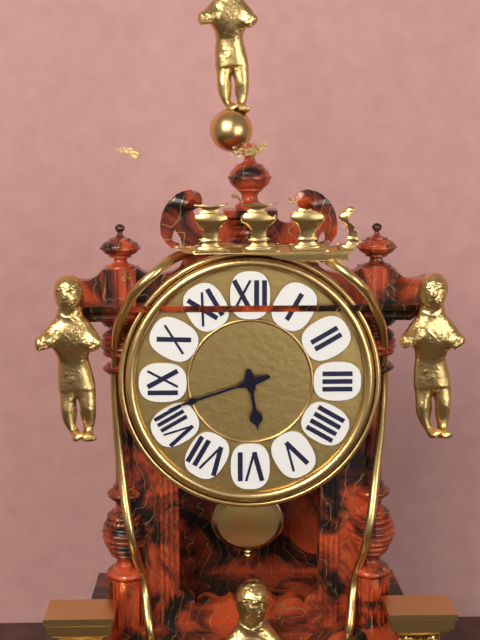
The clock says 5:42
